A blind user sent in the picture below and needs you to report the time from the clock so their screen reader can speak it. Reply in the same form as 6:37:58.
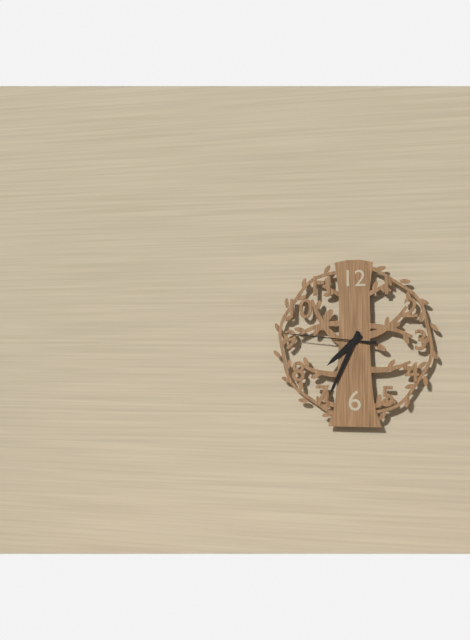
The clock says 7:34:46
